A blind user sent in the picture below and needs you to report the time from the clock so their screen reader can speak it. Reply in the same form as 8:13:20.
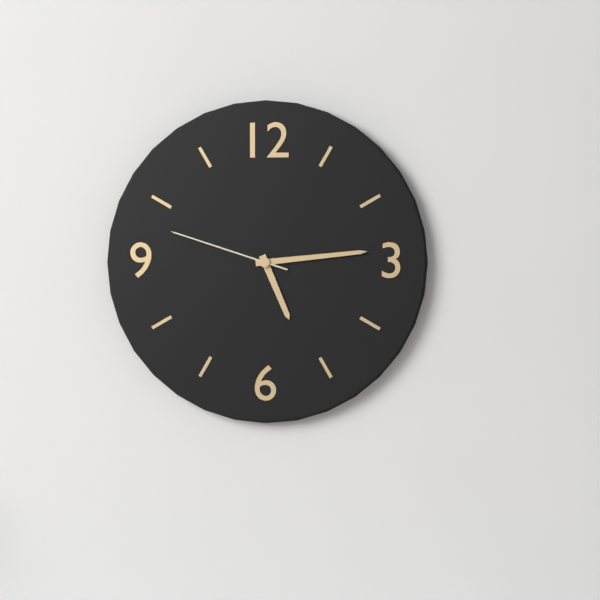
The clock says 5:14:48
